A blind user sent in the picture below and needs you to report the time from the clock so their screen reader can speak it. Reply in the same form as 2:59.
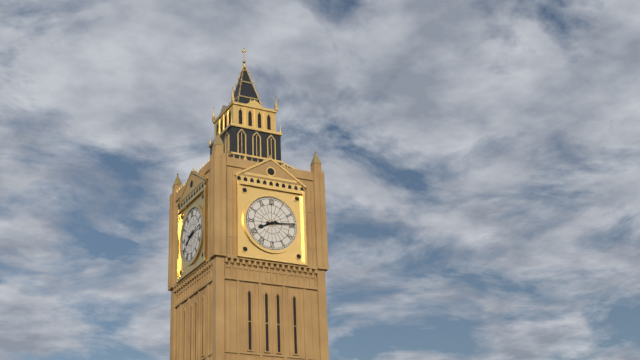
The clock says 8:14
